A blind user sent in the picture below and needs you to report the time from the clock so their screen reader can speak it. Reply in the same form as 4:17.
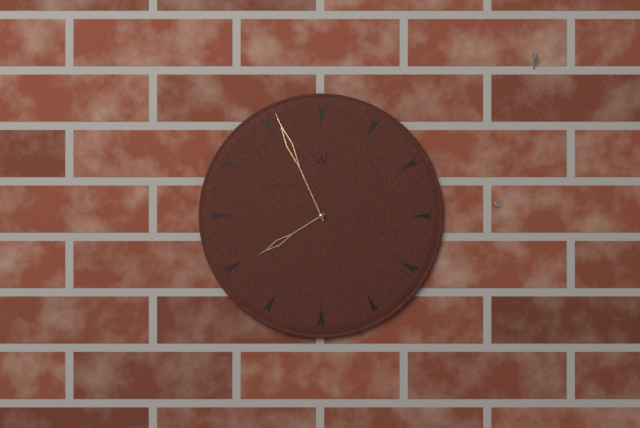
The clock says 7:56
